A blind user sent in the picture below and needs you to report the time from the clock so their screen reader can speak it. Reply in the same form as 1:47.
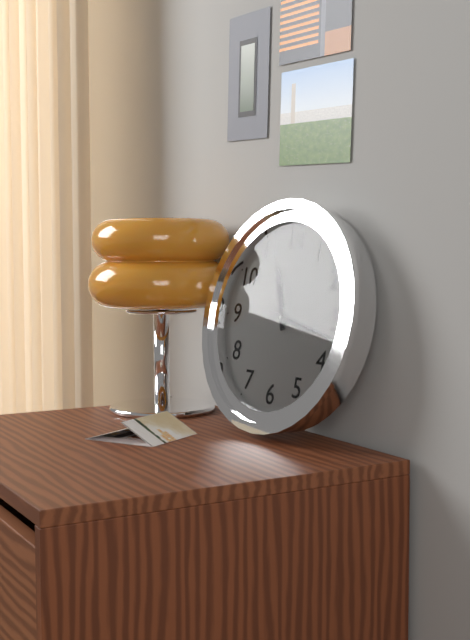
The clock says 11:17
